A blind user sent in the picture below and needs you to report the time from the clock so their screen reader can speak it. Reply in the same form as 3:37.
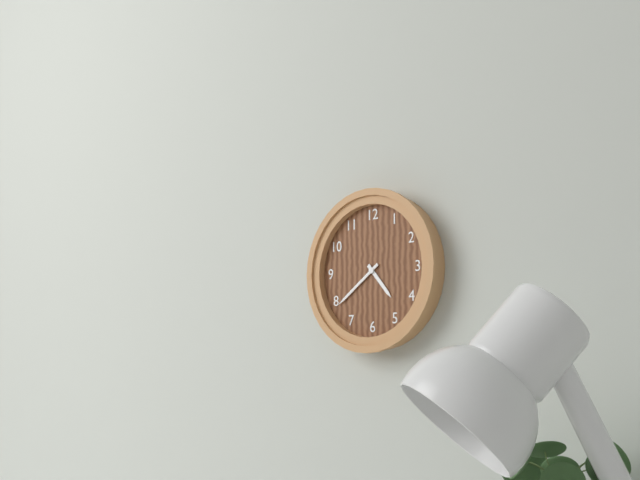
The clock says 4:39
